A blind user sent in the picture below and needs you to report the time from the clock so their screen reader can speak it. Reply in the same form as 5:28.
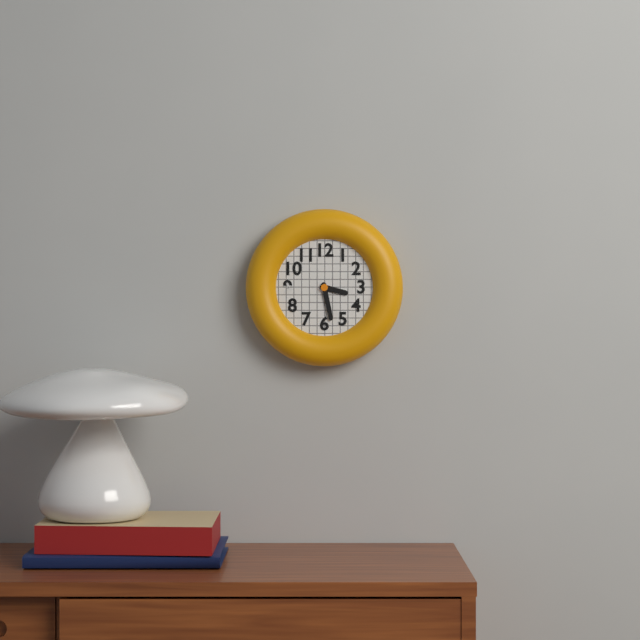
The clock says 3:28
